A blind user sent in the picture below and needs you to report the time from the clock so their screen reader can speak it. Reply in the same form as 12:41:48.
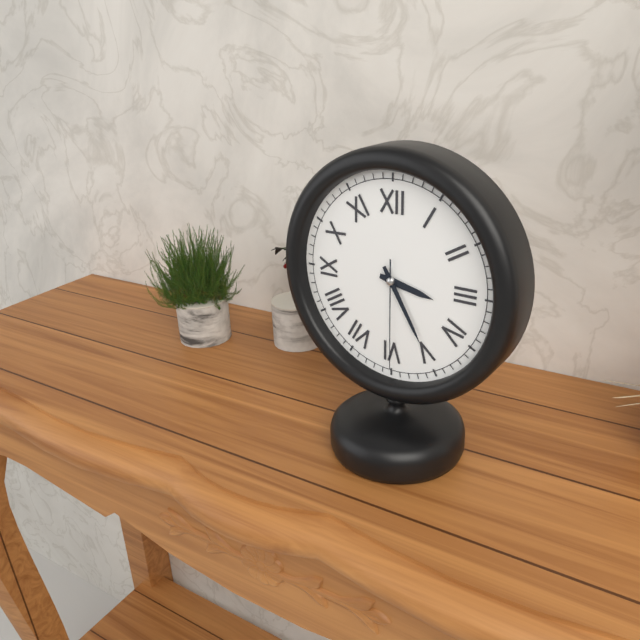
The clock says 3:25:30
